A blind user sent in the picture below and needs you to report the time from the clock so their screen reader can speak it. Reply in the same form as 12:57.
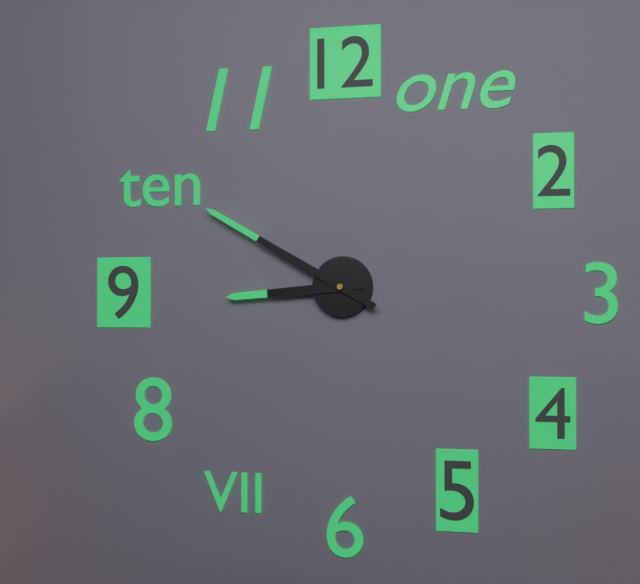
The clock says 8:50
